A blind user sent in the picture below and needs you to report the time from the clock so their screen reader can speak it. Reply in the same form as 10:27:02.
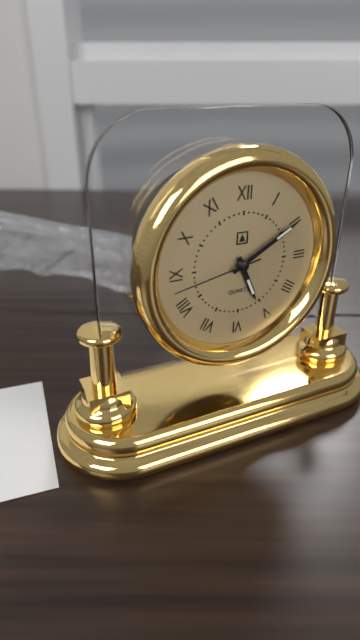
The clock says 5:10:43
